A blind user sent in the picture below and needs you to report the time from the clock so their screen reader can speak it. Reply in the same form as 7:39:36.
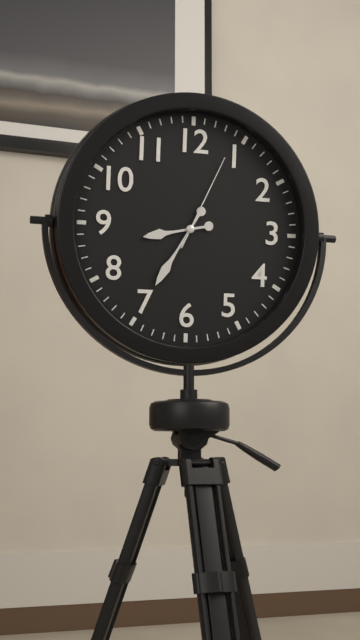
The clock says 8:35:04
